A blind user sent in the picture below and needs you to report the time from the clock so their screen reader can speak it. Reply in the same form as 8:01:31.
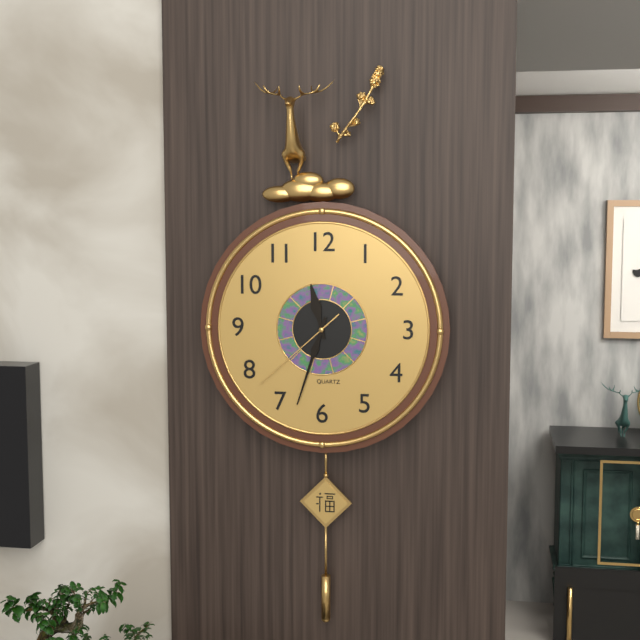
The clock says 11:33:38
